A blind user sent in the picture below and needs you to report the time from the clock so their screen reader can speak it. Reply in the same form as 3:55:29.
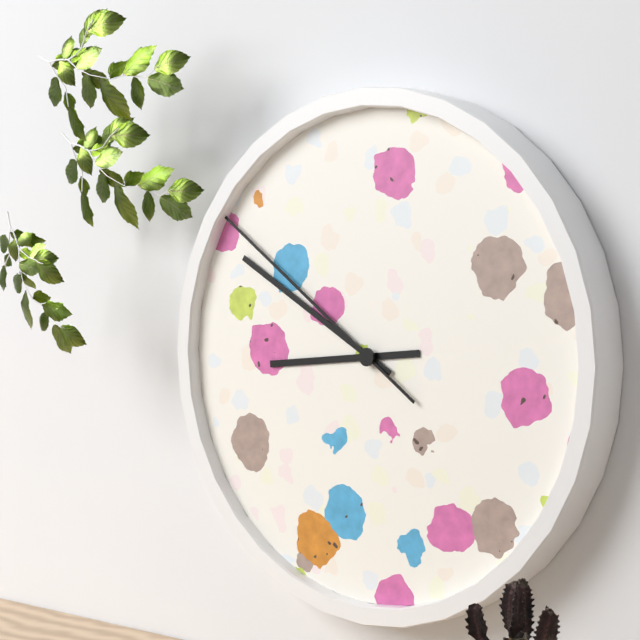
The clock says 8:50:51
